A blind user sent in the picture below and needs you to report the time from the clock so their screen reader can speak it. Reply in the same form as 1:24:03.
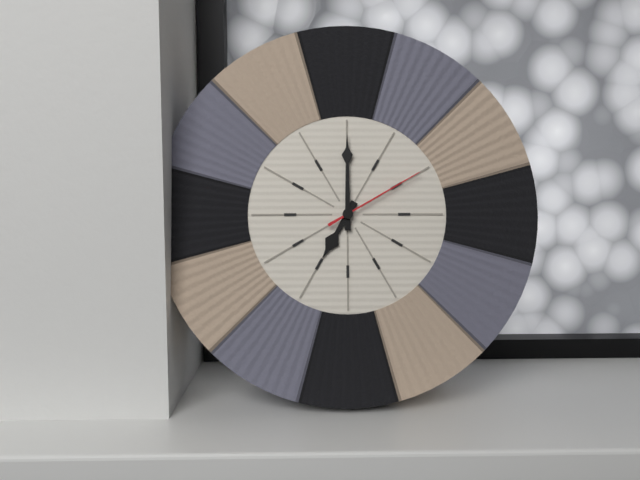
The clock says 7:00:10
